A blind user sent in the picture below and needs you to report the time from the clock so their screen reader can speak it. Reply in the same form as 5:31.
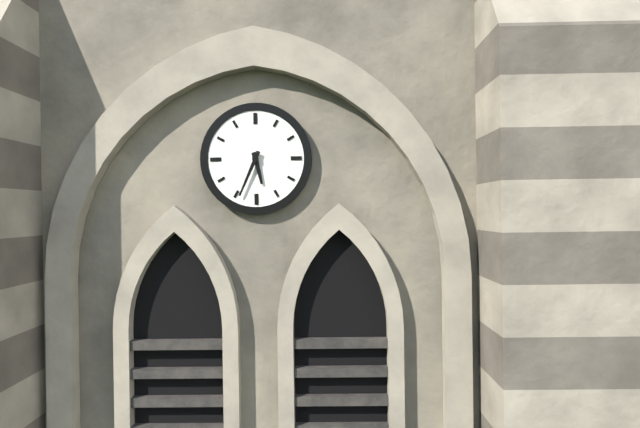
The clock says 5:34
